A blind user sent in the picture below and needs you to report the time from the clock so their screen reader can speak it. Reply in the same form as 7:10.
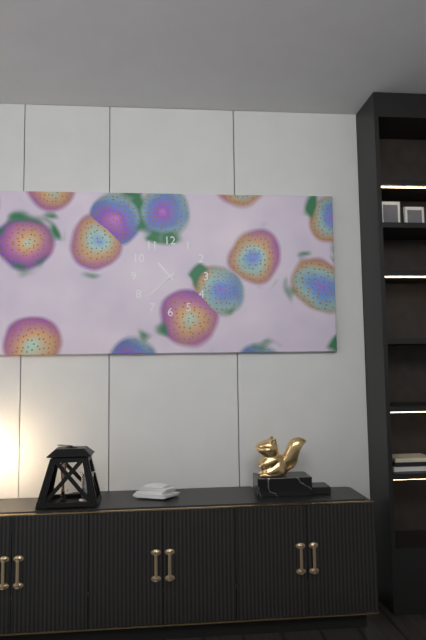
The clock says 10:38
